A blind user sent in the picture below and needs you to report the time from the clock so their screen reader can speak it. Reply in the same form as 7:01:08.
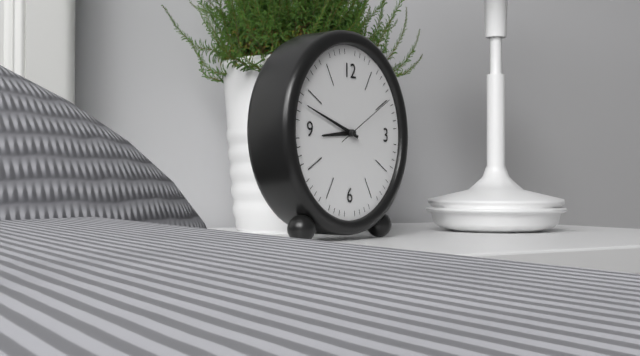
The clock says 8:48:10
